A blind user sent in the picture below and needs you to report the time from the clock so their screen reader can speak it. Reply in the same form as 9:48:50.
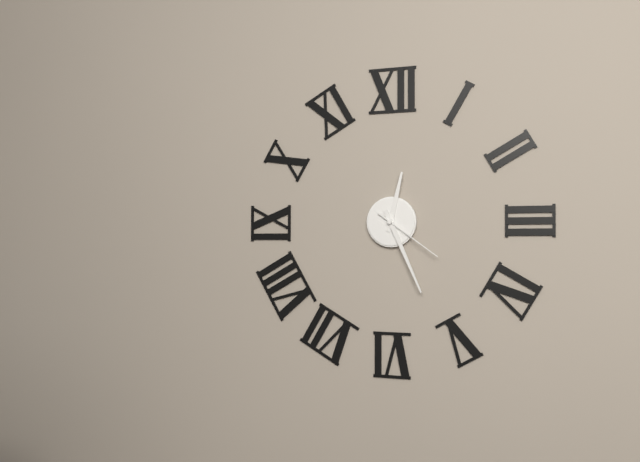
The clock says 12:26:21
